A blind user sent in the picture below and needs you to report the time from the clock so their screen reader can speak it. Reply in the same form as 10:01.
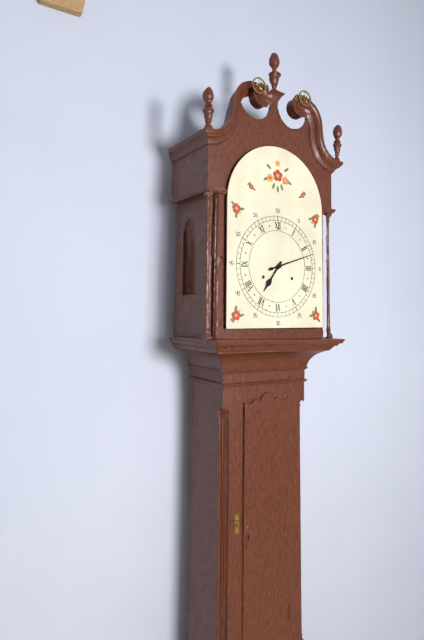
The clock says 7:12
